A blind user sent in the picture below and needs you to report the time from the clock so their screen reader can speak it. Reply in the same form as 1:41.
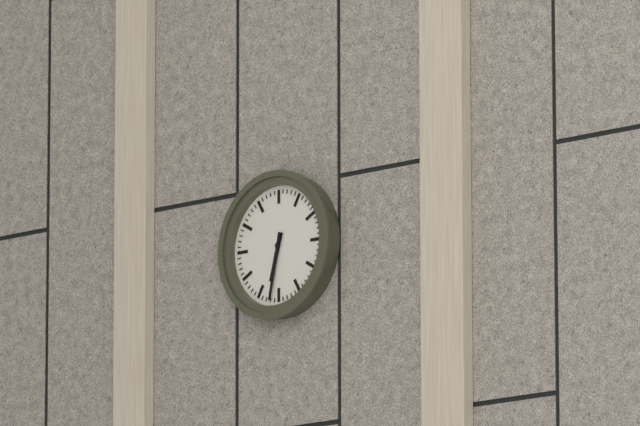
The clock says 6:32
